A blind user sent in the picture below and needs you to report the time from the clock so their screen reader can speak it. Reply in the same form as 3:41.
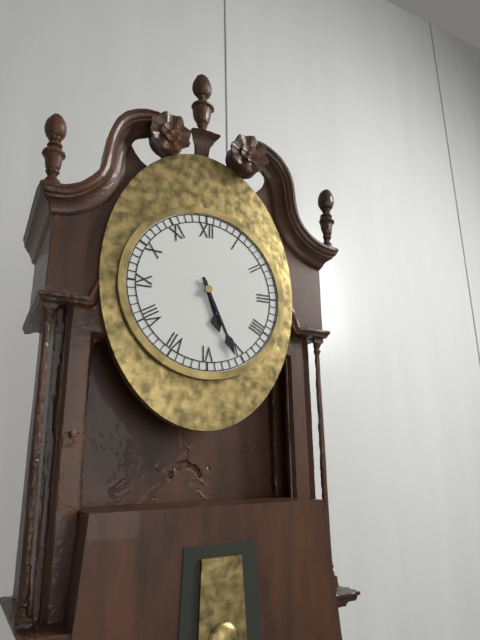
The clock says 5:26
